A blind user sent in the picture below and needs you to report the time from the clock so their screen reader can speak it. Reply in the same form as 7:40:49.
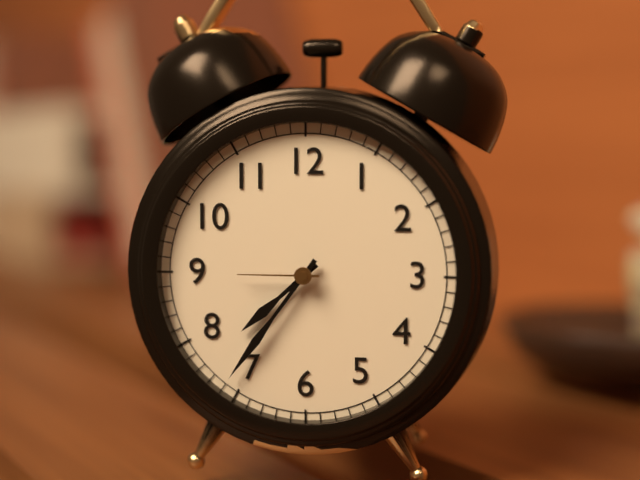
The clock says 7:36:45
